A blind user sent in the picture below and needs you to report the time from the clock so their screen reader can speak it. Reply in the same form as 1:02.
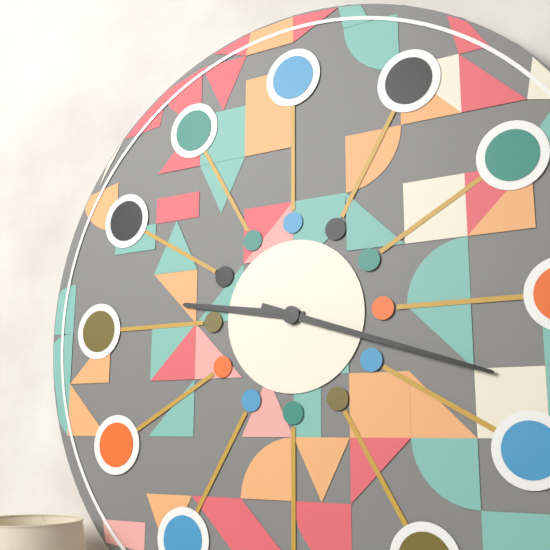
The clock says 9:18
